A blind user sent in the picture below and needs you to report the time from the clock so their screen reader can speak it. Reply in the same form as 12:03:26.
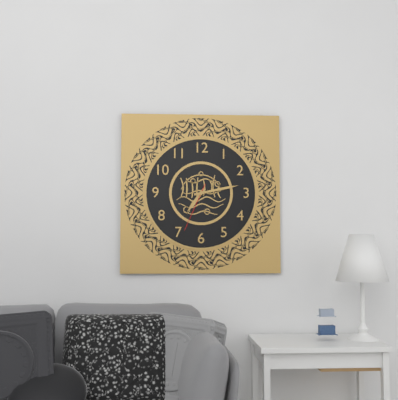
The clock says 7:13:34
